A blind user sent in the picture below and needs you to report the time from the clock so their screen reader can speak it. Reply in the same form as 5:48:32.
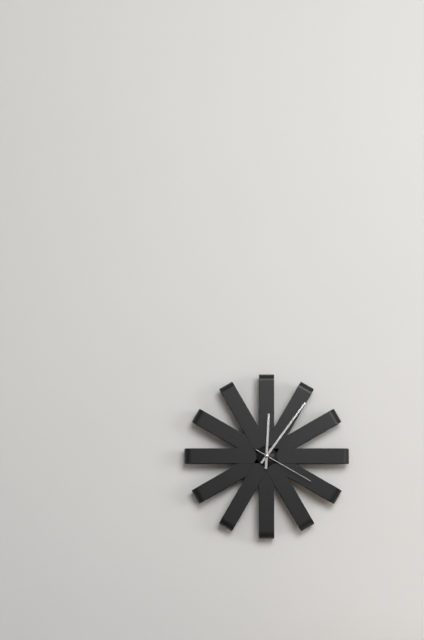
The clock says 12:06:20
